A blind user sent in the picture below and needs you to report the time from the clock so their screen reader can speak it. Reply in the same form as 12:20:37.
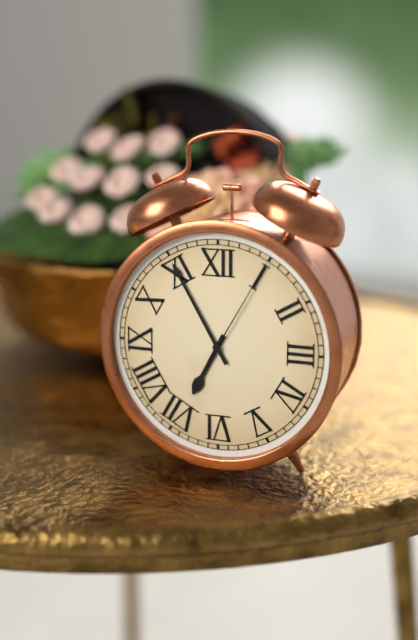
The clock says 6:55:05
